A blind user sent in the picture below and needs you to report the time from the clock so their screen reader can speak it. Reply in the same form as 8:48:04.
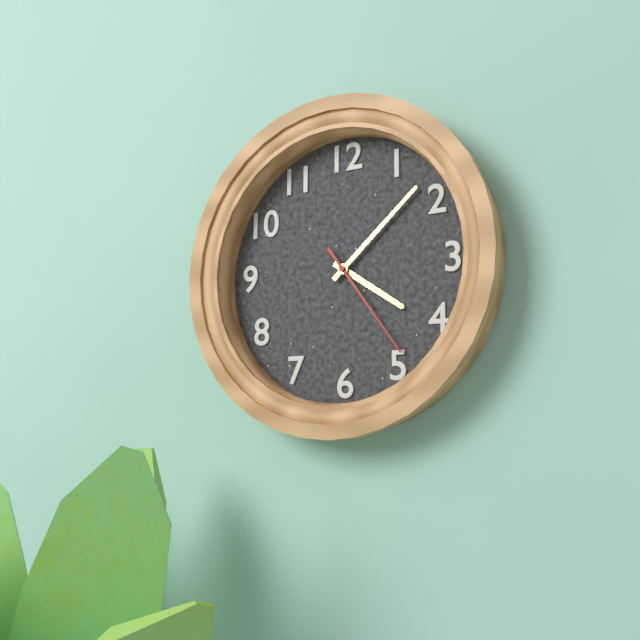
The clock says 4:08:24
